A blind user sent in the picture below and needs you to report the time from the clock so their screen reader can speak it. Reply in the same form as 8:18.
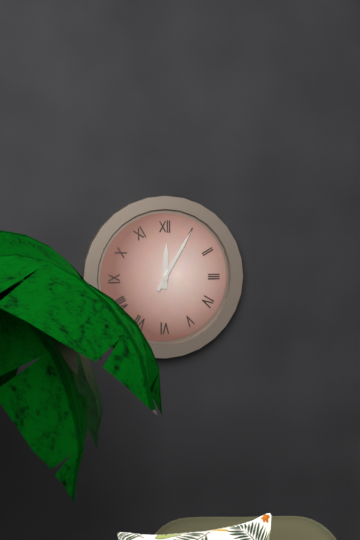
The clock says 12:05
